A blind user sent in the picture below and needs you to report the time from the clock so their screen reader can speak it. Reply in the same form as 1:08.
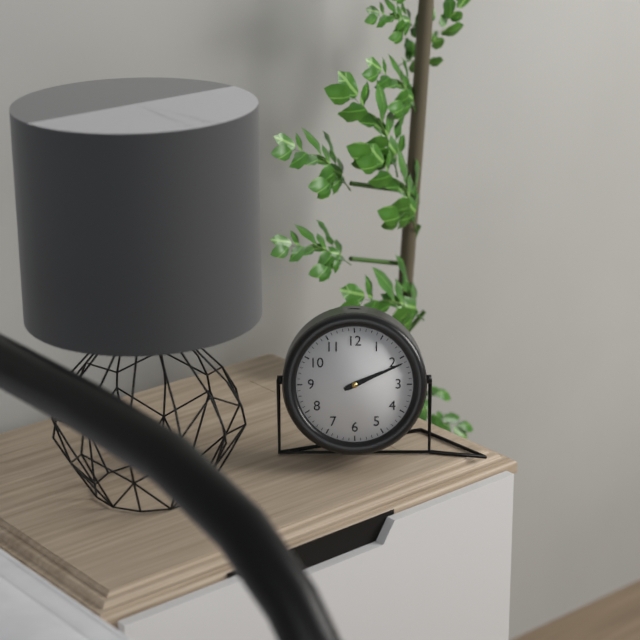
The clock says 2:11
